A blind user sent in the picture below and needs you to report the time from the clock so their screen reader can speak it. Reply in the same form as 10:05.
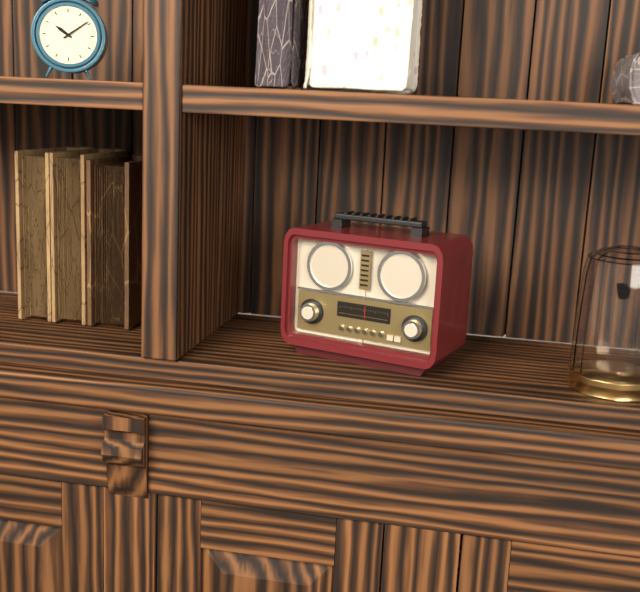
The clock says 10:09
